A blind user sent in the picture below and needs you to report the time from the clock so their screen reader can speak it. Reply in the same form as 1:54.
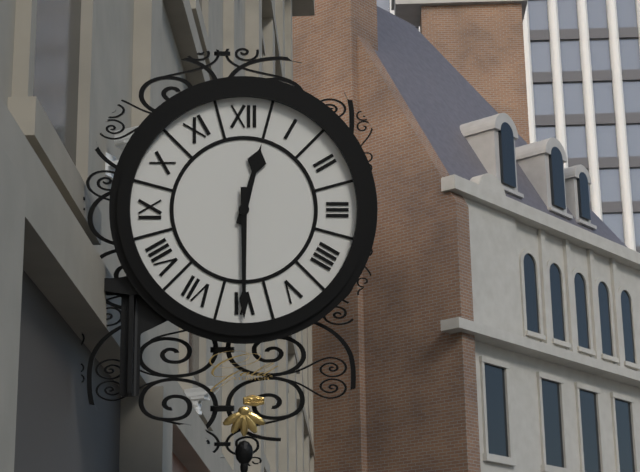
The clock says 12:30
